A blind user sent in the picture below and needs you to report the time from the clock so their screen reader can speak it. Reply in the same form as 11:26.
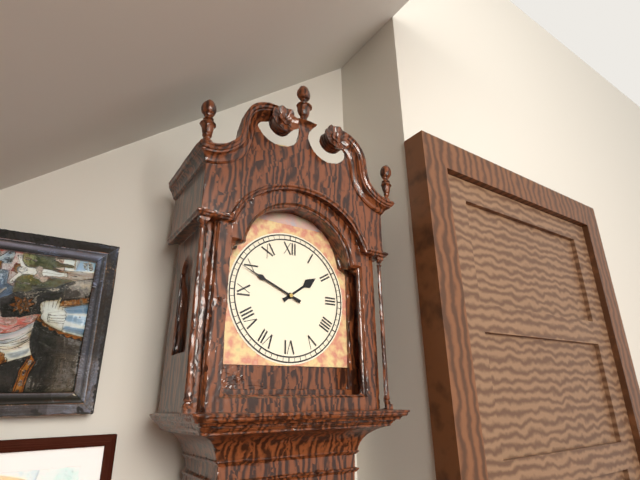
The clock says 1:49
